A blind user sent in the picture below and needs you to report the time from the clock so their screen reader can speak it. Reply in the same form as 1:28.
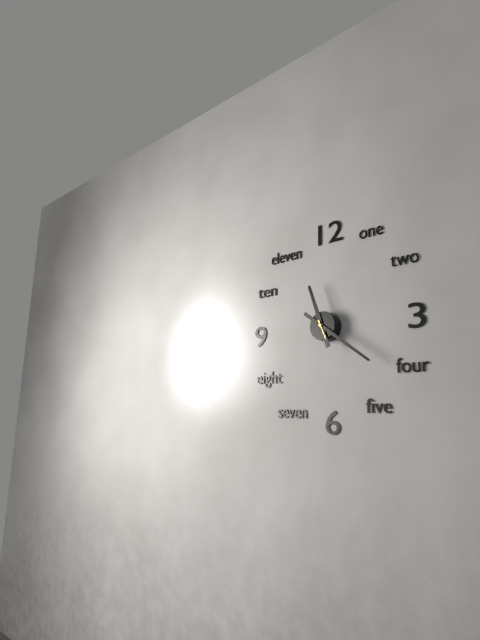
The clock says 11:21
